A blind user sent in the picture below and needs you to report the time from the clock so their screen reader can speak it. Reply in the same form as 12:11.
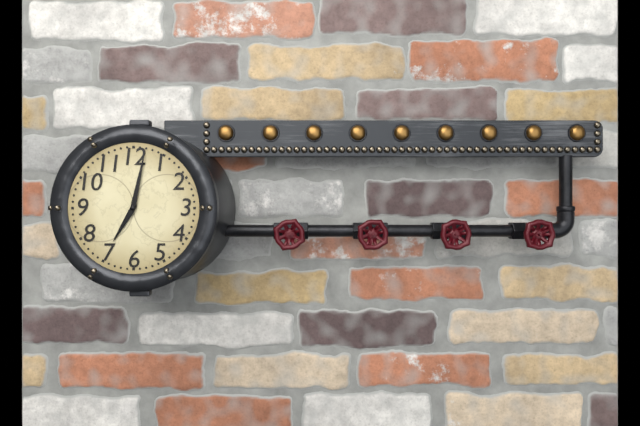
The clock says 7:02
